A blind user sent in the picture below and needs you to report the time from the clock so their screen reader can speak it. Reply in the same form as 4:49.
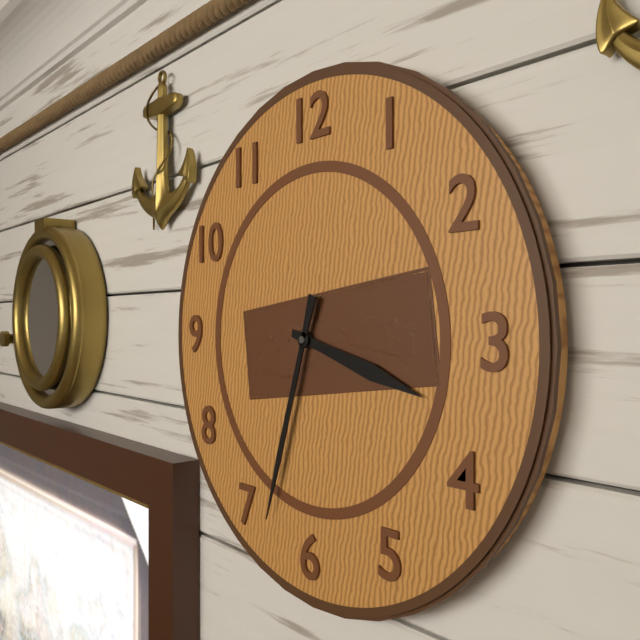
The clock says 3:33
